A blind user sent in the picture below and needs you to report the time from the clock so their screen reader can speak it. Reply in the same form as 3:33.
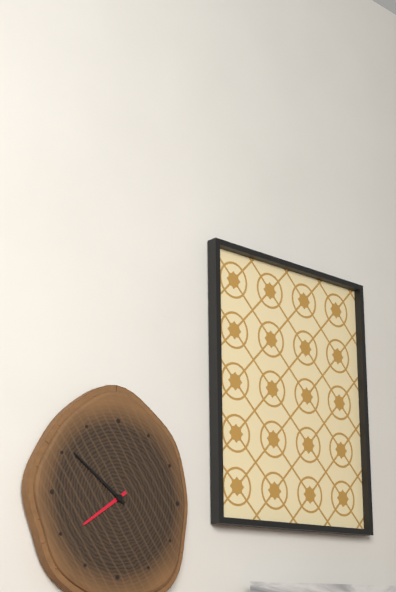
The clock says 7:51
